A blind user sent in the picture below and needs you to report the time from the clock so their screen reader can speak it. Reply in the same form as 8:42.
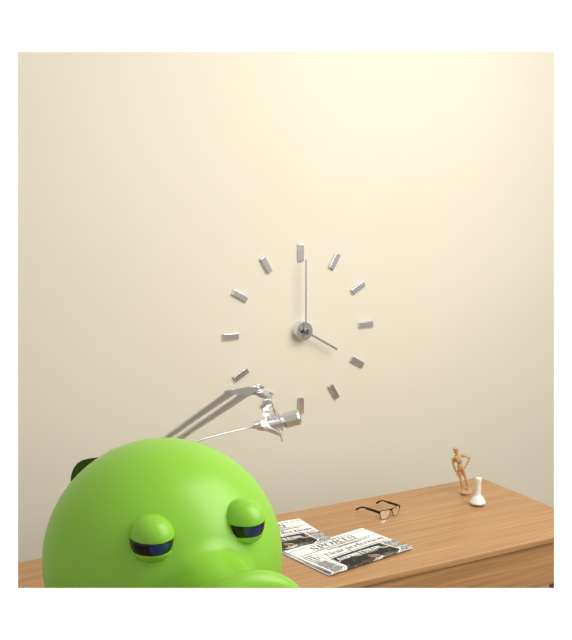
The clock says 4:00
